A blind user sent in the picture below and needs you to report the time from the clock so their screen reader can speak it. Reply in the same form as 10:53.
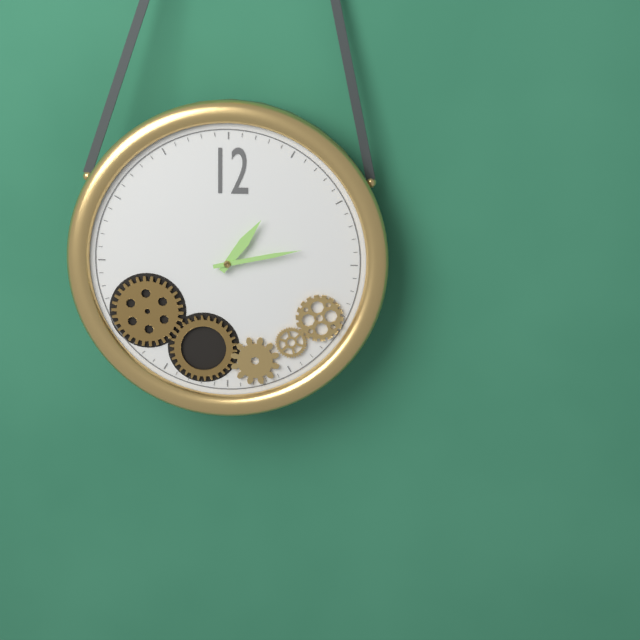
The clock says 1:13
